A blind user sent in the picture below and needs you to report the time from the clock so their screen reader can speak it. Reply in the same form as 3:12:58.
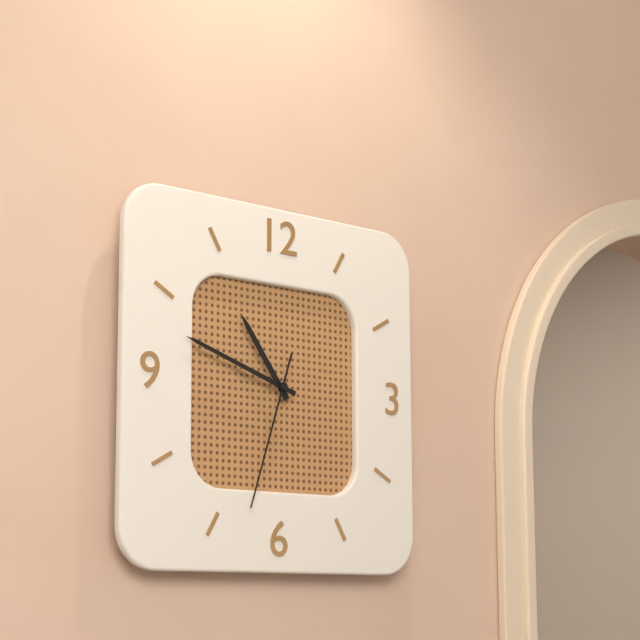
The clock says 10:48:33
